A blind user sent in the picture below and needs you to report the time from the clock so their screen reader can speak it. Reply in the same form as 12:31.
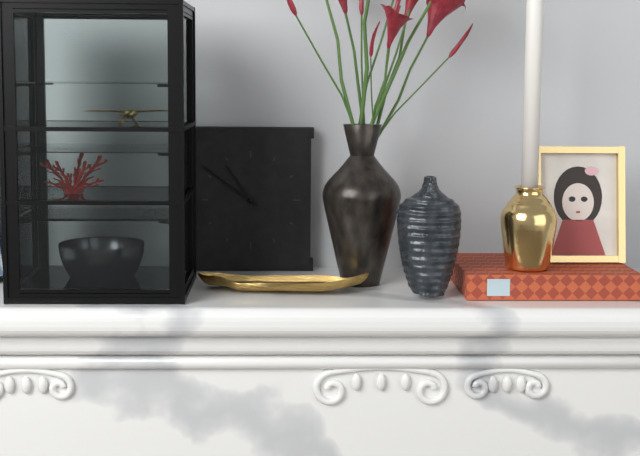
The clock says 10:51
